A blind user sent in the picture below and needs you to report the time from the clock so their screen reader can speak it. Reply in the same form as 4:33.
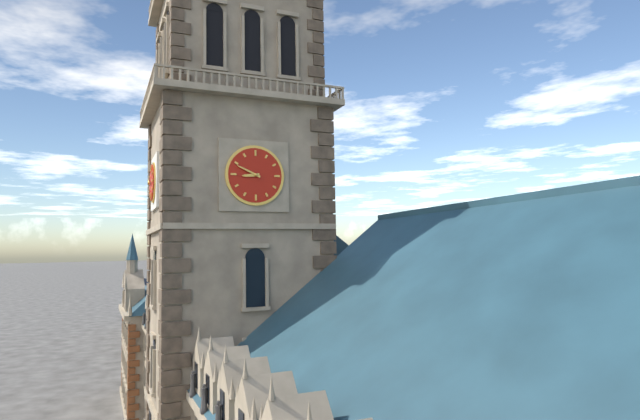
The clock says 8:49
